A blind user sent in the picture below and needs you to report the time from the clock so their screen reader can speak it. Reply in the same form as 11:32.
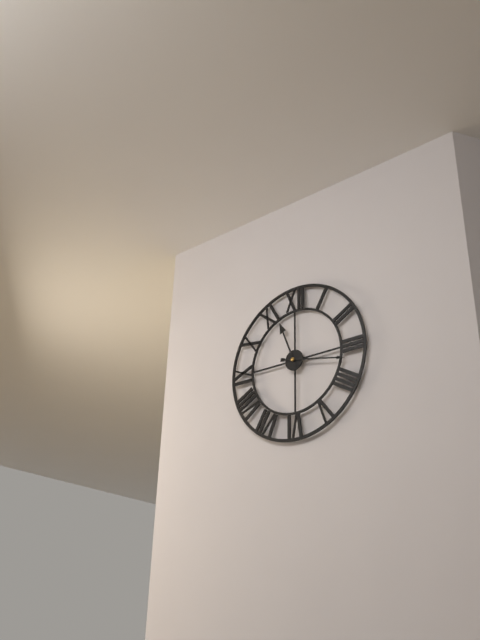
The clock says 11:17
